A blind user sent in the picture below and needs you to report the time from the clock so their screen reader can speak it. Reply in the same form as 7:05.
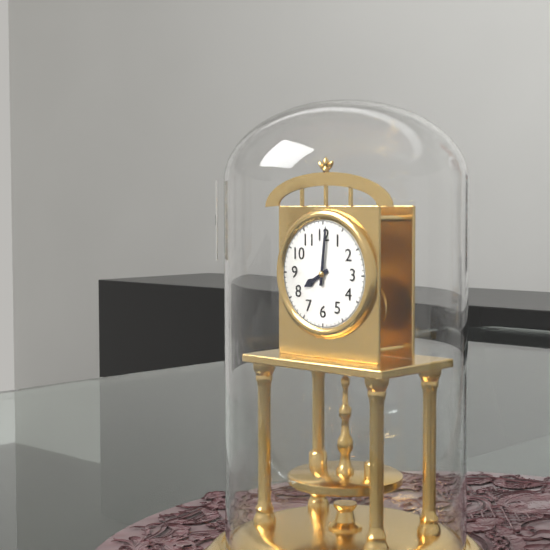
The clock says 8:01
